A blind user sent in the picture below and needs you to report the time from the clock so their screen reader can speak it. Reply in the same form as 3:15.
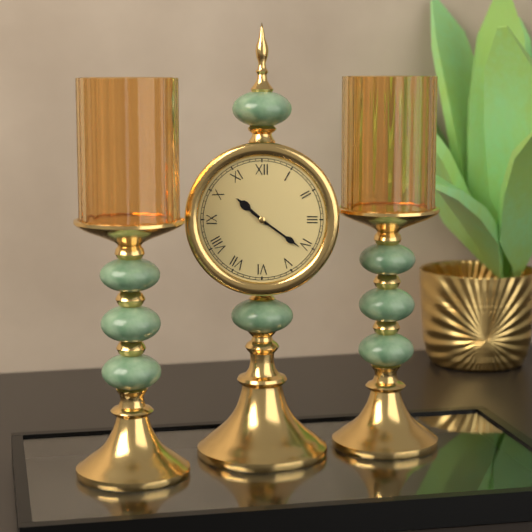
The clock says 10:21
